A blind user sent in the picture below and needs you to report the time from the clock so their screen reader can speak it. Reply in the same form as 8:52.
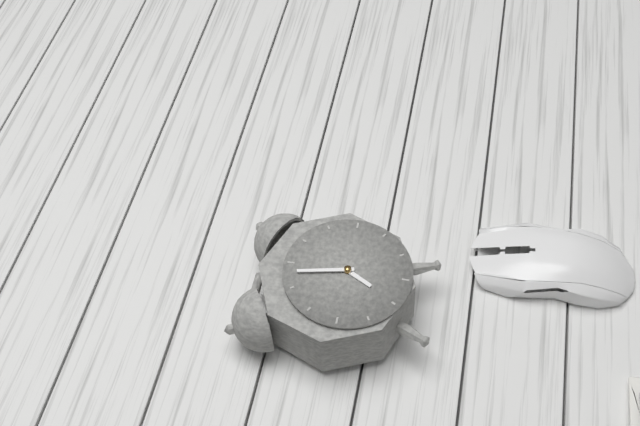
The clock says 6:58
